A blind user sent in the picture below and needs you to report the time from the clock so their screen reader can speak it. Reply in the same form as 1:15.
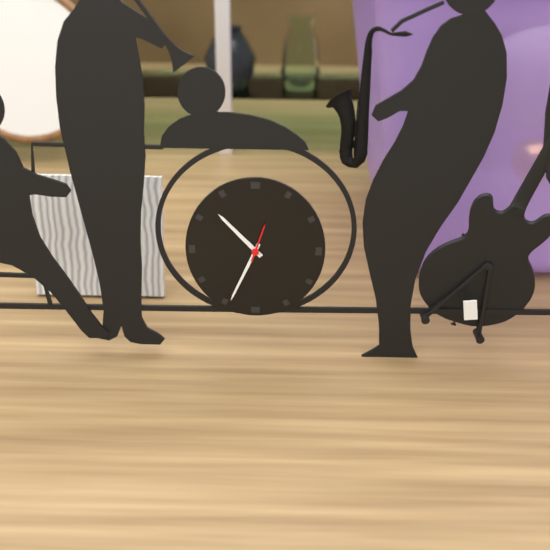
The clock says 10:34
